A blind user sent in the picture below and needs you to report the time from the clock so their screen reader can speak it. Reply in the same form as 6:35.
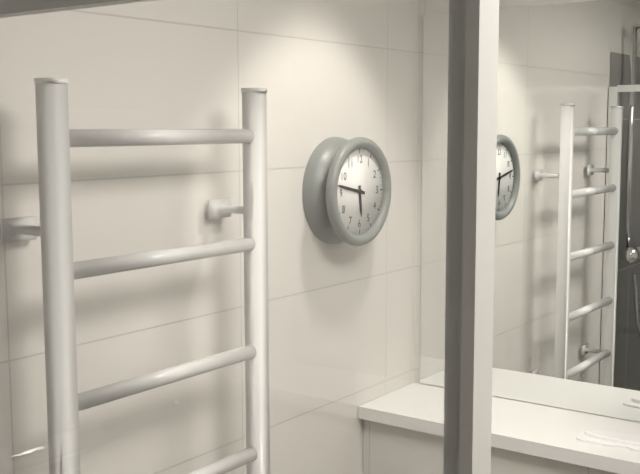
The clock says 5:47
